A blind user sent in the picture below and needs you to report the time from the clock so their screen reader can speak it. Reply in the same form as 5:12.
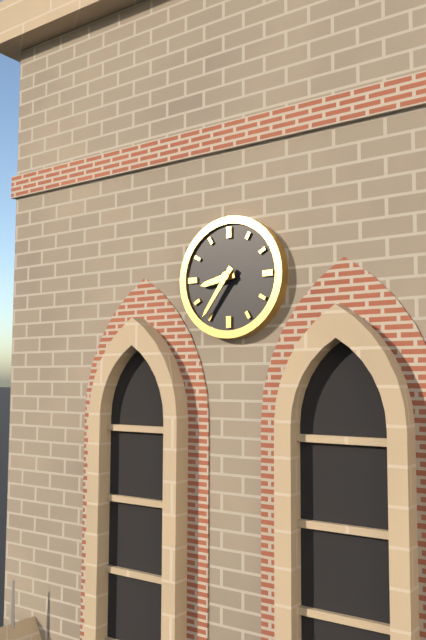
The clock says 8:36
